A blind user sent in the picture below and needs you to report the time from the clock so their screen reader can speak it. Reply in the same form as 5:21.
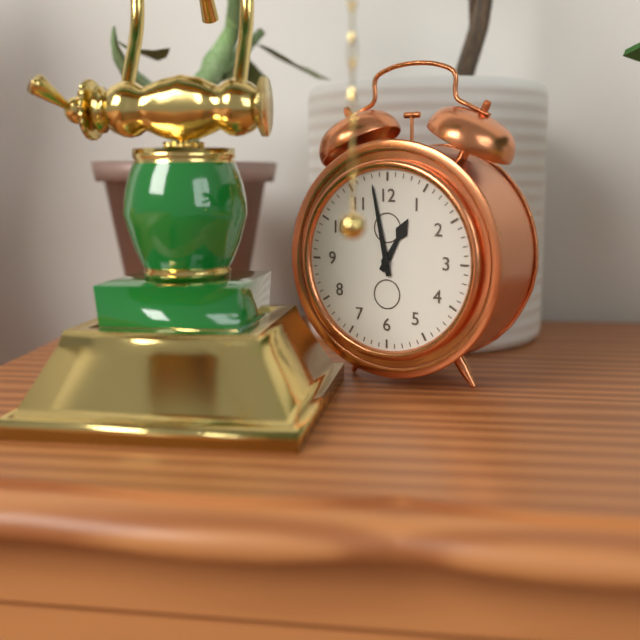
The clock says 12:58
